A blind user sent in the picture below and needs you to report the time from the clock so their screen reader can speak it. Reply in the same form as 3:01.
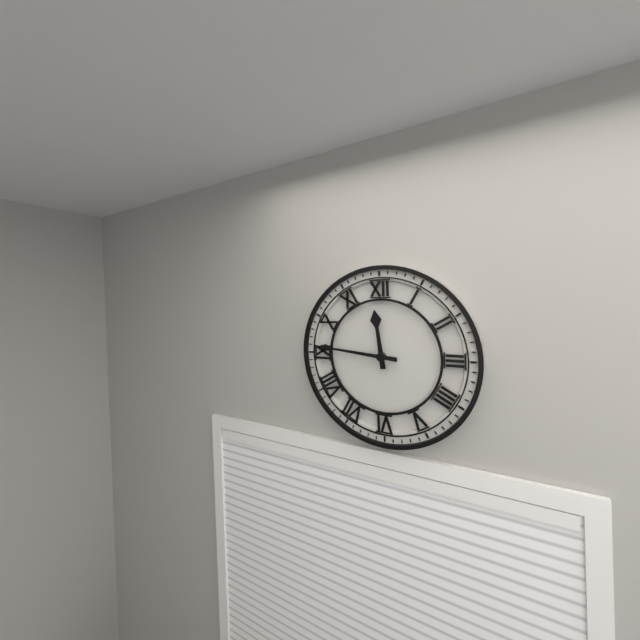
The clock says 11:46
